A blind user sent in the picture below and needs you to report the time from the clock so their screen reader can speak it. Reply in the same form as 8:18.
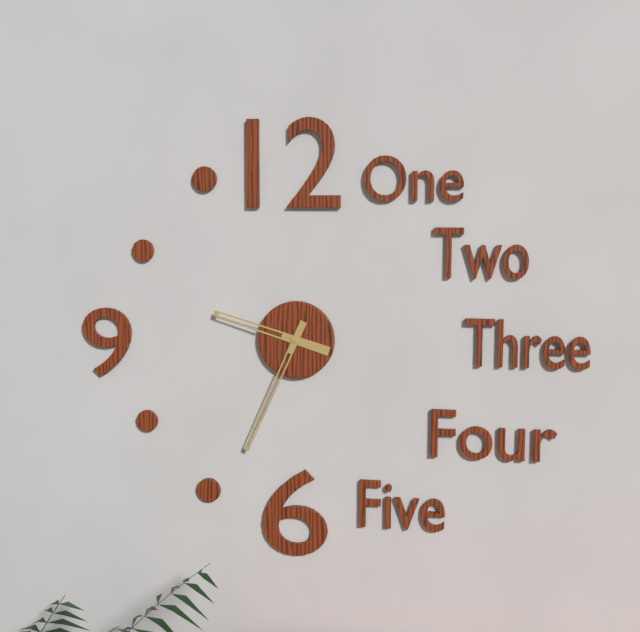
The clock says 9:34
